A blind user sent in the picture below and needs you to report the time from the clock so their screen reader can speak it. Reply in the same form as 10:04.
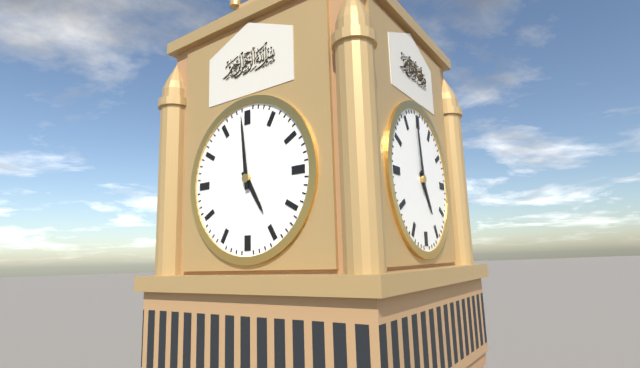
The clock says 4:59
